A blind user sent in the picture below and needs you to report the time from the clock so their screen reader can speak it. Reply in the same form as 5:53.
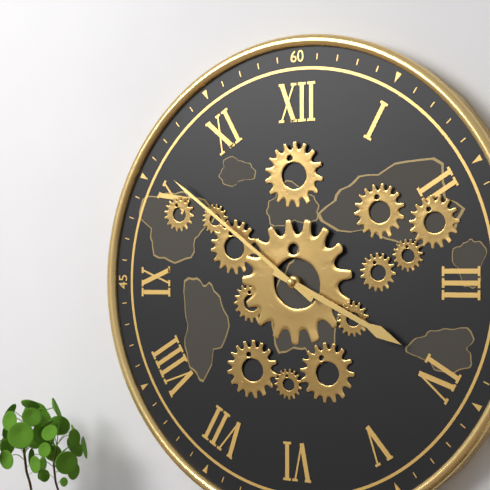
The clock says 3:51
